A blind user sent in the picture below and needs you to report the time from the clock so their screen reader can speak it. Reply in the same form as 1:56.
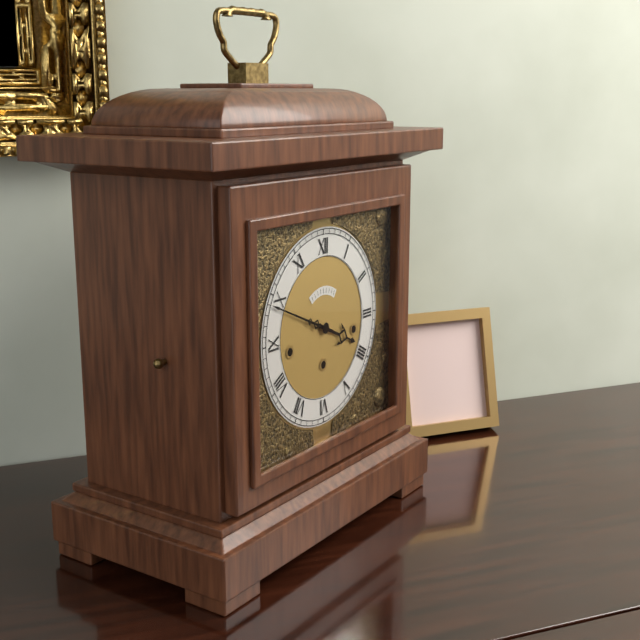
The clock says 3:49
